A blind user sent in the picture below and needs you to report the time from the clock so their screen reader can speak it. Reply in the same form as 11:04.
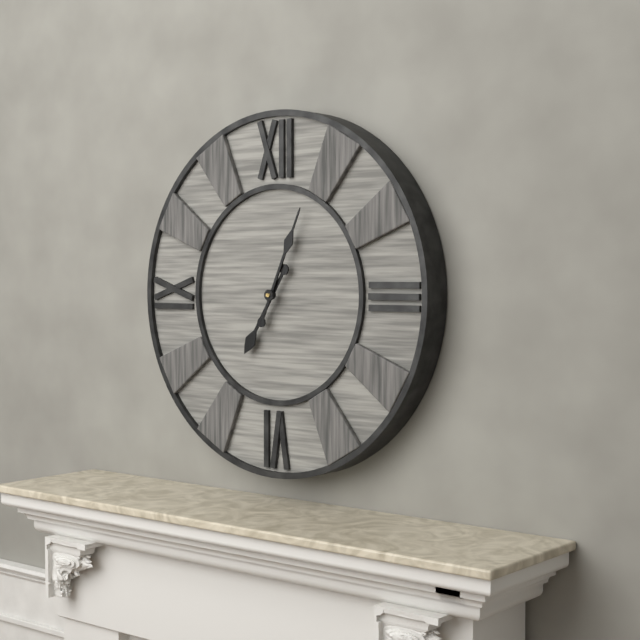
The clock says 7:04
